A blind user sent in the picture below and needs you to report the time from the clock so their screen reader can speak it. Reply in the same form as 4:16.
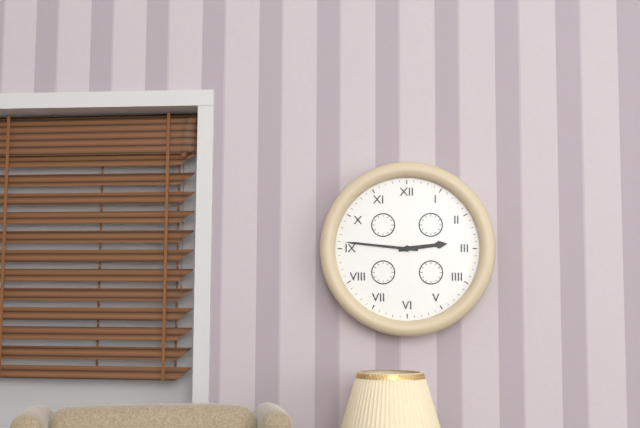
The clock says 2:46
